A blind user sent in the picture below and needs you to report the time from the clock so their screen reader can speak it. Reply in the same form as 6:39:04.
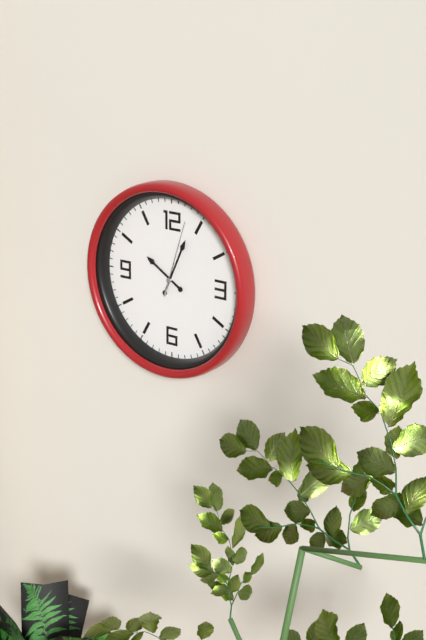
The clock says 10:04:03
